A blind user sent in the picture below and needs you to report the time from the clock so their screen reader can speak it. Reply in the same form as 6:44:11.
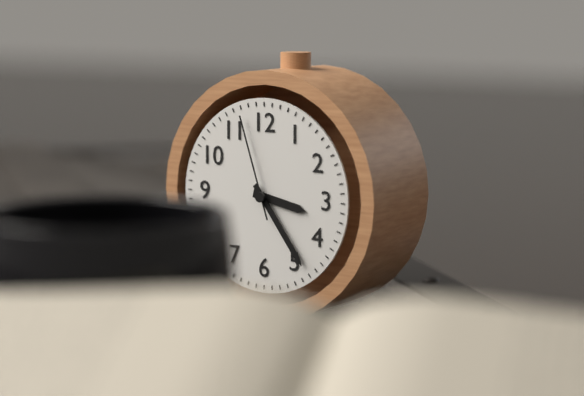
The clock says 3:24:57
